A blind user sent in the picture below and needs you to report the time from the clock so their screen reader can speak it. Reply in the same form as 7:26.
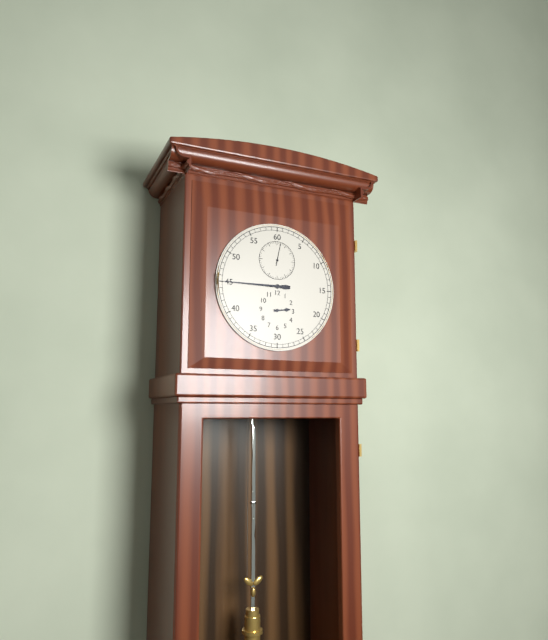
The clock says 2:45
